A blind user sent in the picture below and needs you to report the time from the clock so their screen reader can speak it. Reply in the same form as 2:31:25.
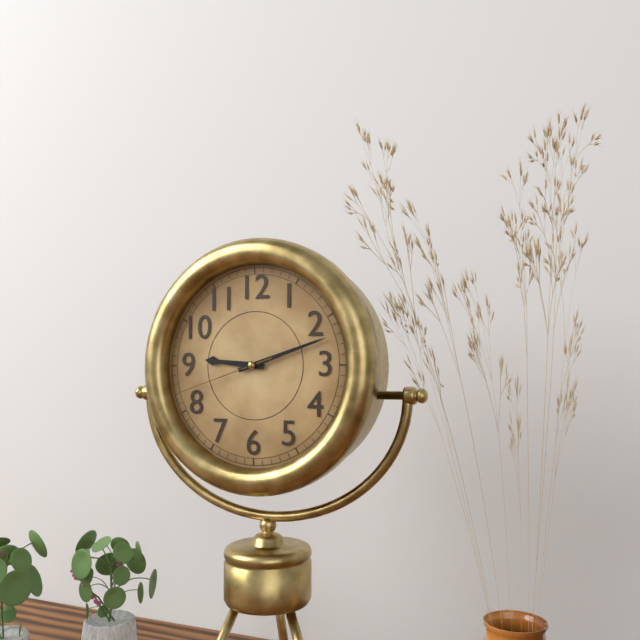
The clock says 9:12:42
